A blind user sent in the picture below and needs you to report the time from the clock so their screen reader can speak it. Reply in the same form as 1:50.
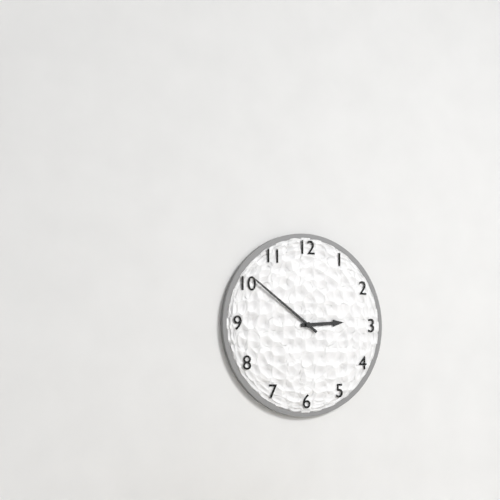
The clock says 2:51
